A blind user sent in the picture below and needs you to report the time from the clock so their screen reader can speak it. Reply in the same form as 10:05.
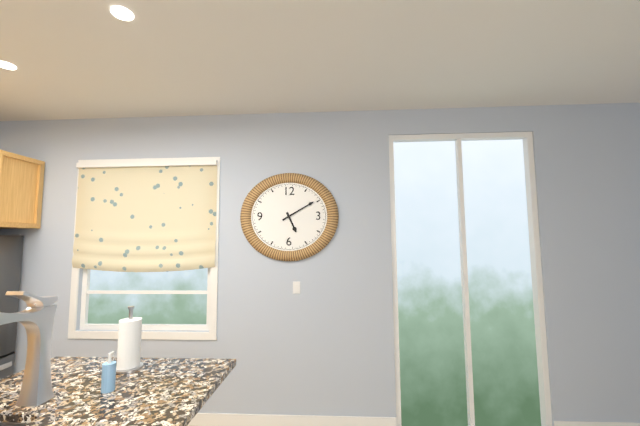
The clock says 5:10
